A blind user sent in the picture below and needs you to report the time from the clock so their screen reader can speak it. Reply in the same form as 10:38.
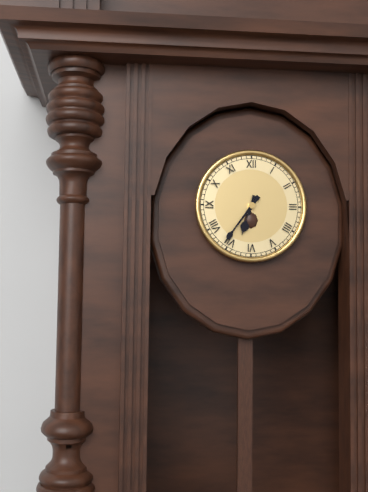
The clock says 6:36
